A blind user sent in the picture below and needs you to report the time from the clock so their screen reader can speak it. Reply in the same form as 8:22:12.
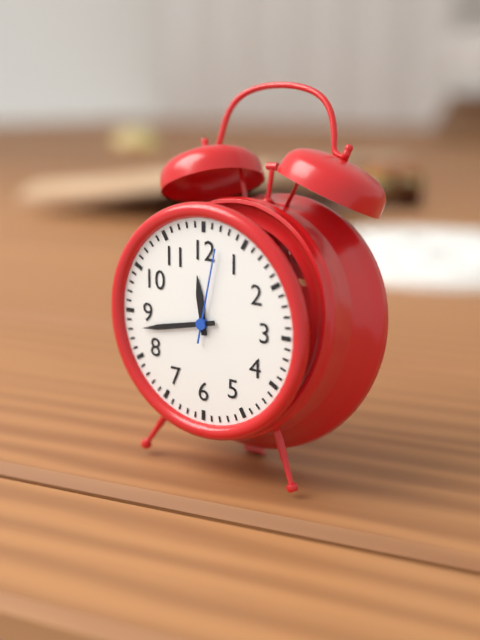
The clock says 11:43:02
